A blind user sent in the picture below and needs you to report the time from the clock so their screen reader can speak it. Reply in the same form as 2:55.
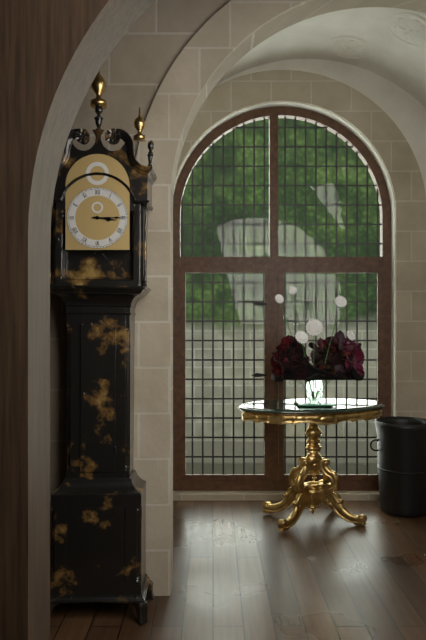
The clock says 3:15
